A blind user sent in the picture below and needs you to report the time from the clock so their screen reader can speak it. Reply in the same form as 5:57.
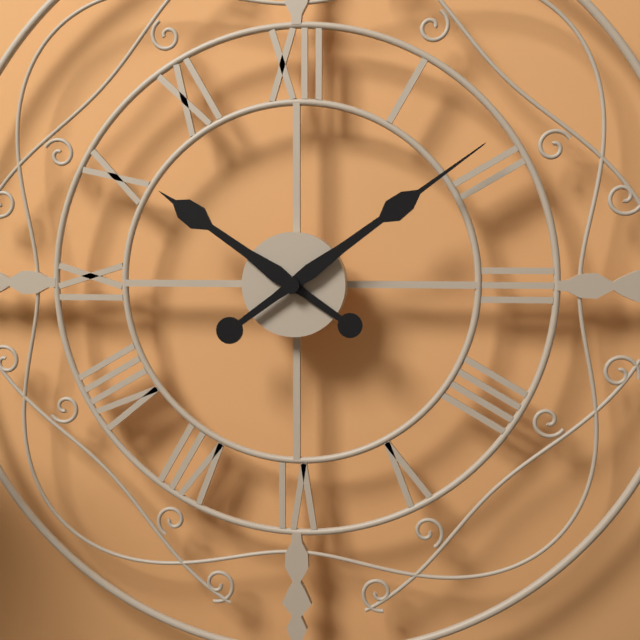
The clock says 10:09
